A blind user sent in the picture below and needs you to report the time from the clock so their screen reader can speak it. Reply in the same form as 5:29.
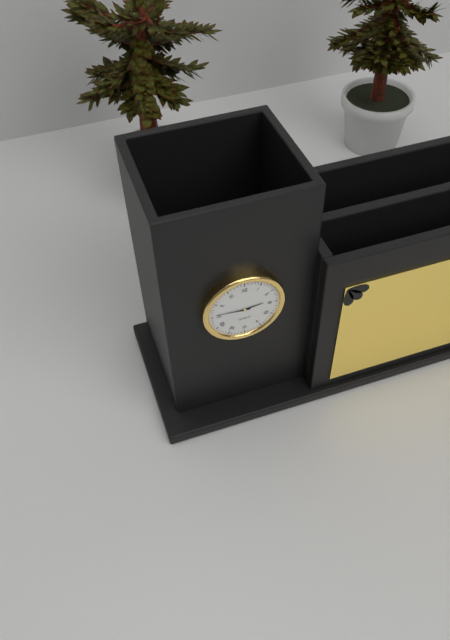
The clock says 2:46
